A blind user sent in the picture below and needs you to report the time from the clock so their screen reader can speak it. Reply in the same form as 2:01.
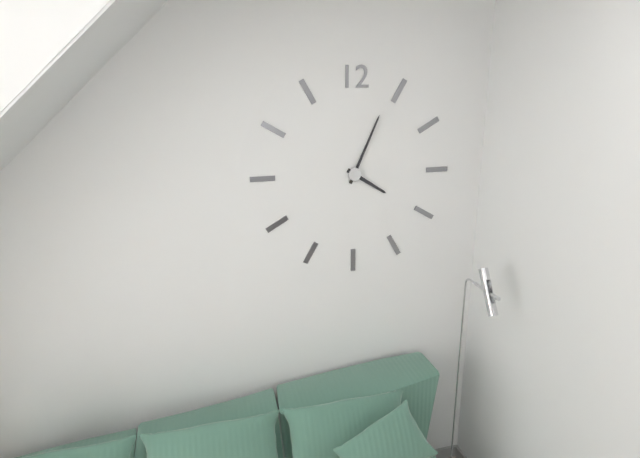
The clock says 4:04
